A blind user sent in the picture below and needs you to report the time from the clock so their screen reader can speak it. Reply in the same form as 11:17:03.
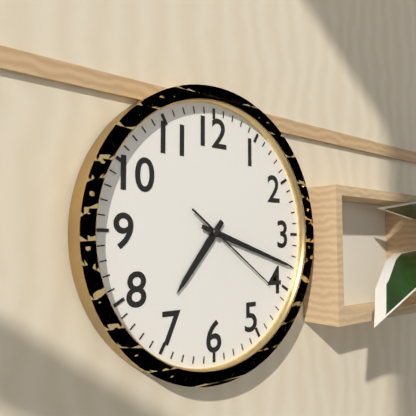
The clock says 7:18:21
